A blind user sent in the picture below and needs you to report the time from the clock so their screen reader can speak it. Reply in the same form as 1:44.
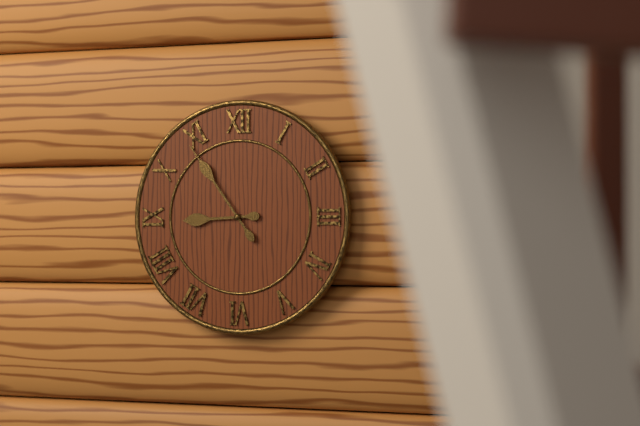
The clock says 8:54
